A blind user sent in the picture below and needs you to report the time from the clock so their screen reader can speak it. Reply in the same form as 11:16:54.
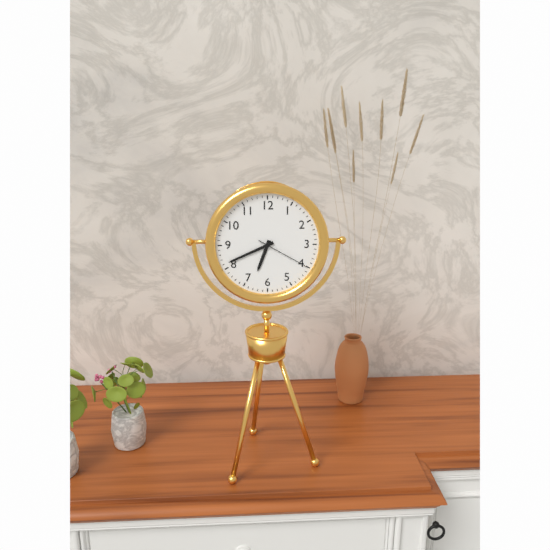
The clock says 6:41:20
